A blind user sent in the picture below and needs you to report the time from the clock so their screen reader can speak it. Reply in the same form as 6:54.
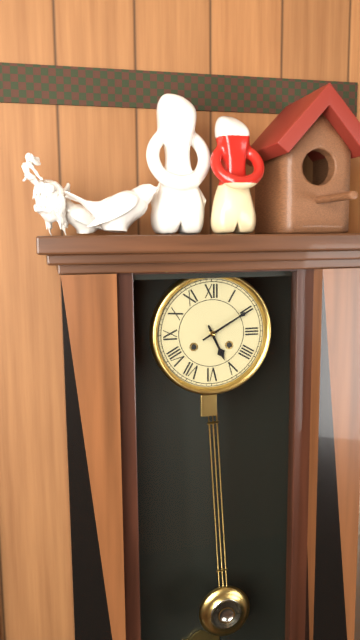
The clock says 5:10
